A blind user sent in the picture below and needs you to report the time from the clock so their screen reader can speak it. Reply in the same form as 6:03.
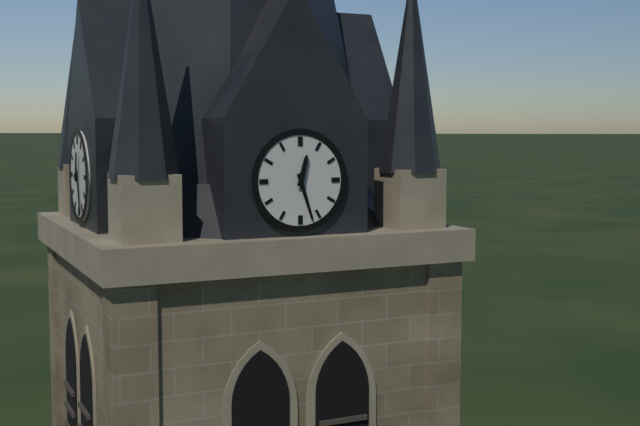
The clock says 12:27
